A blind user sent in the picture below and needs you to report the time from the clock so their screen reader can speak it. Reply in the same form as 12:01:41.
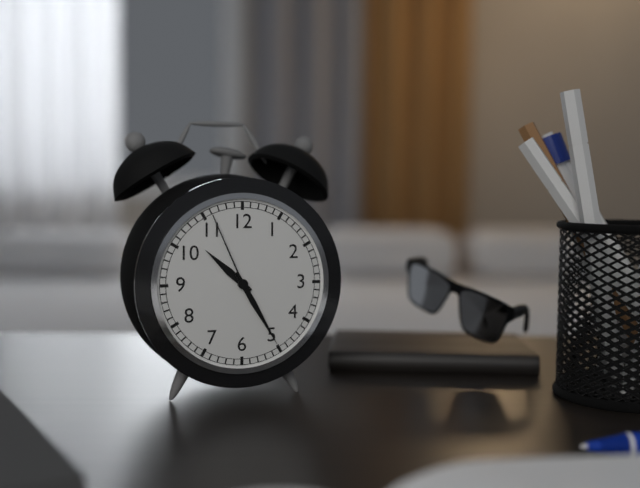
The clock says 10:25:56
